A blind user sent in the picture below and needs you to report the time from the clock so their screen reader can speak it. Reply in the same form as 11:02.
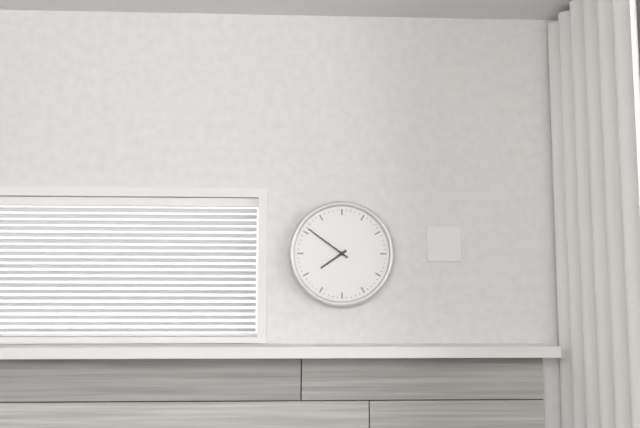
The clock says 7:51
